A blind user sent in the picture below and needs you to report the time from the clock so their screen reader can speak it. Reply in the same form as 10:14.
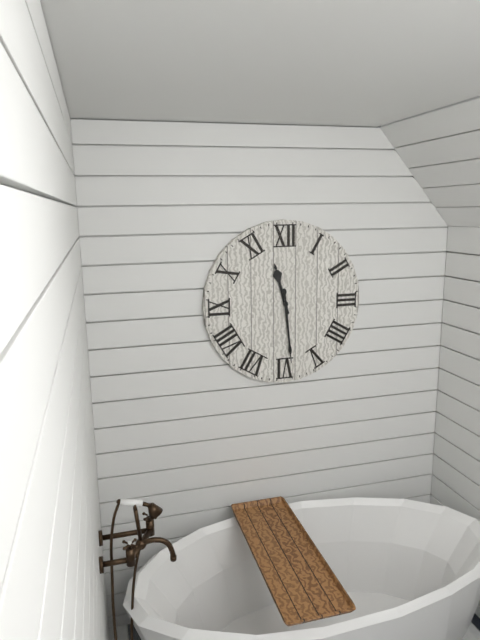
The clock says 11:29
